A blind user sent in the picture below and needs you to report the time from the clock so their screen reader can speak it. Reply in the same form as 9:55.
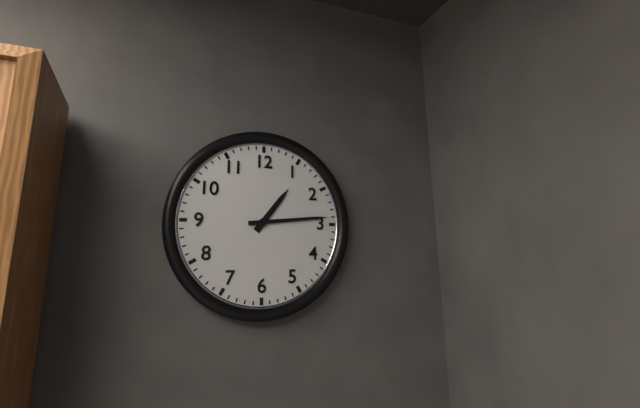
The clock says 1:14
